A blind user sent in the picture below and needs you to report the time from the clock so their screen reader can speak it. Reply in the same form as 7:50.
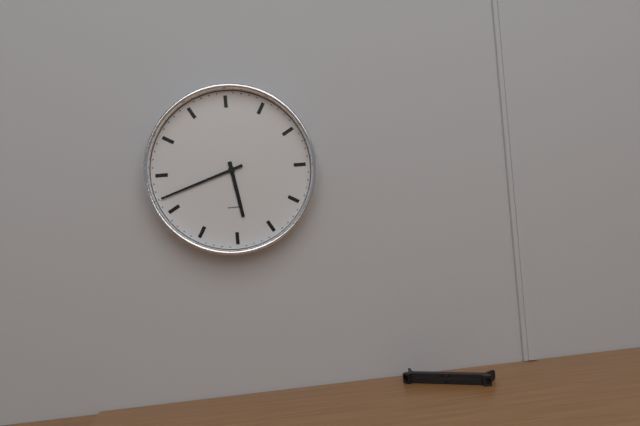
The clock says 5:42
